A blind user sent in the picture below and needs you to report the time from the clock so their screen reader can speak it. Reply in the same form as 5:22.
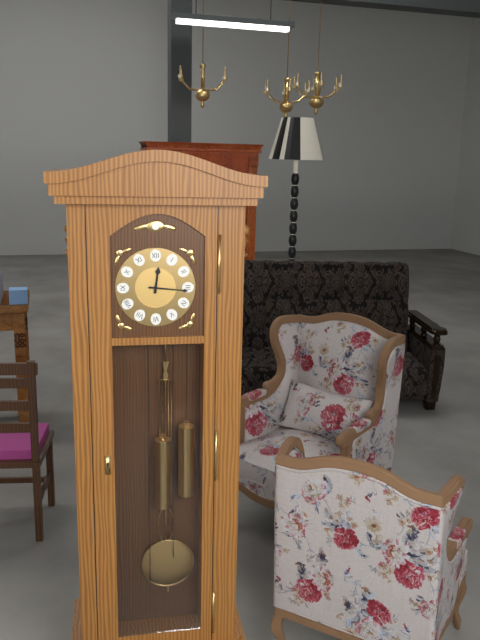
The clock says 12:16
